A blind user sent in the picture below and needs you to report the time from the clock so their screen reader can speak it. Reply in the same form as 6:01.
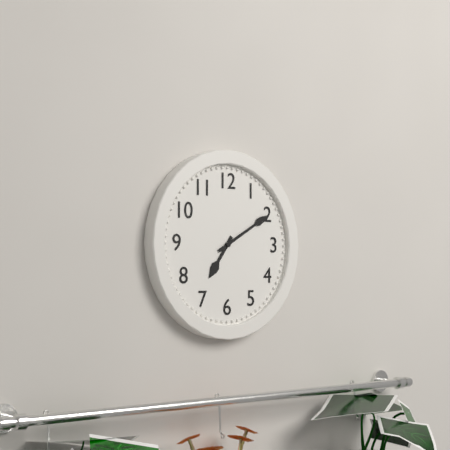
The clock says 7:10
